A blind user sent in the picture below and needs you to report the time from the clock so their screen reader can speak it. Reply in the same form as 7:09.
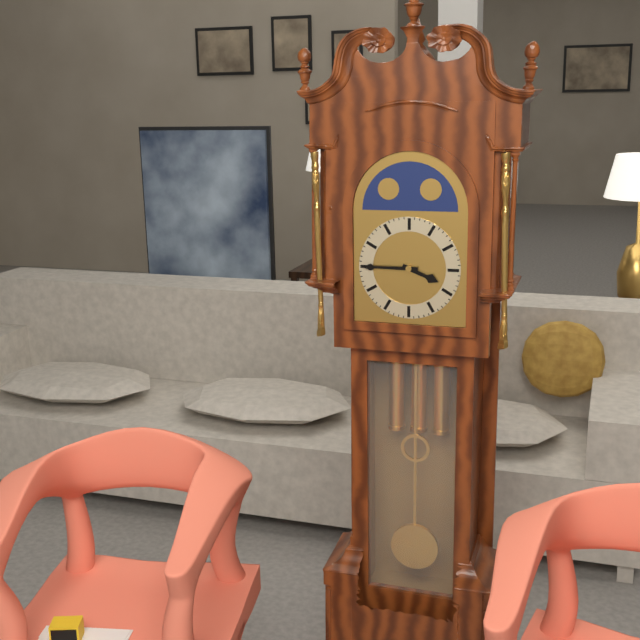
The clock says 3:45
